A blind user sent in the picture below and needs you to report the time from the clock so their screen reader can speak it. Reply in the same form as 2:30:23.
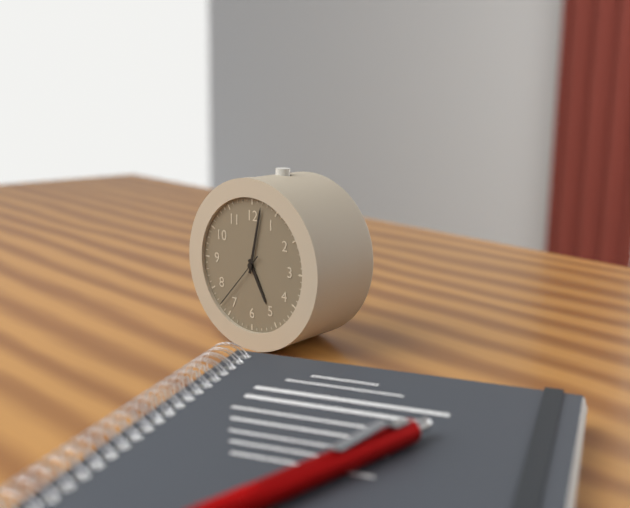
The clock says 5:02:37
